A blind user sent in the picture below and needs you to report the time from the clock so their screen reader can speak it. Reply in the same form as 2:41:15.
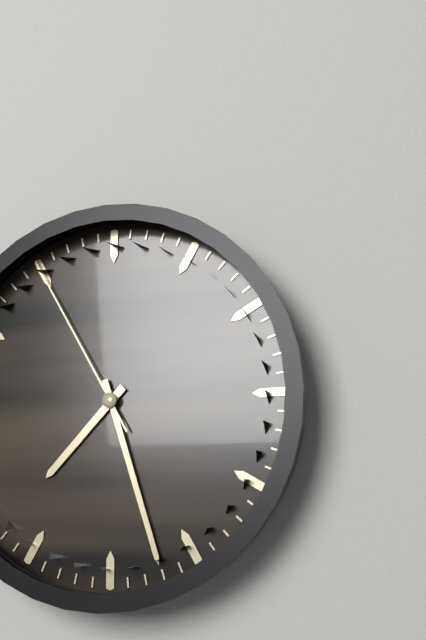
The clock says 7:27:55
